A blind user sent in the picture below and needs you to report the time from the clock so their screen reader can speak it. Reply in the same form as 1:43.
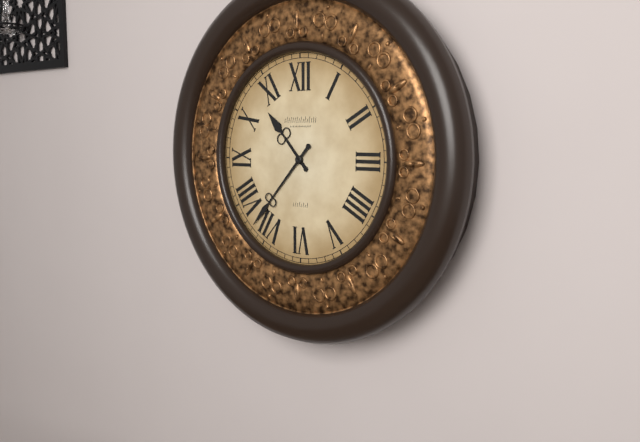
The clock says 10:37
